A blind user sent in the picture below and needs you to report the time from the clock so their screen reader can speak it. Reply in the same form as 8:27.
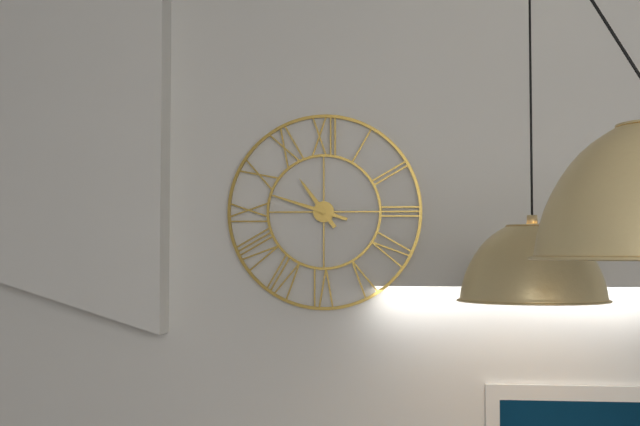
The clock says 10:48
